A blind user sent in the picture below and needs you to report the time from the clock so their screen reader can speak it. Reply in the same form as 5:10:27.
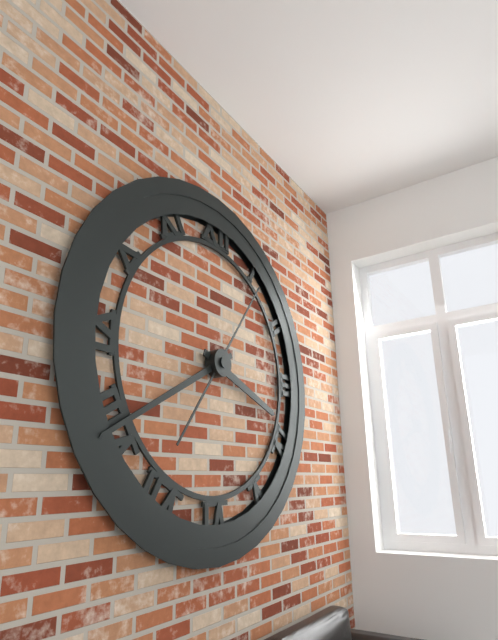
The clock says 3:40:06
